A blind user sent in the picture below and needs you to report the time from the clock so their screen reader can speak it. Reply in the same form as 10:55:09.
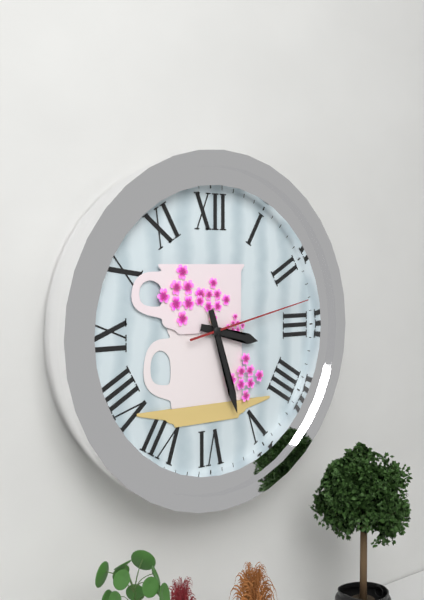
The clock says 3:27:13
